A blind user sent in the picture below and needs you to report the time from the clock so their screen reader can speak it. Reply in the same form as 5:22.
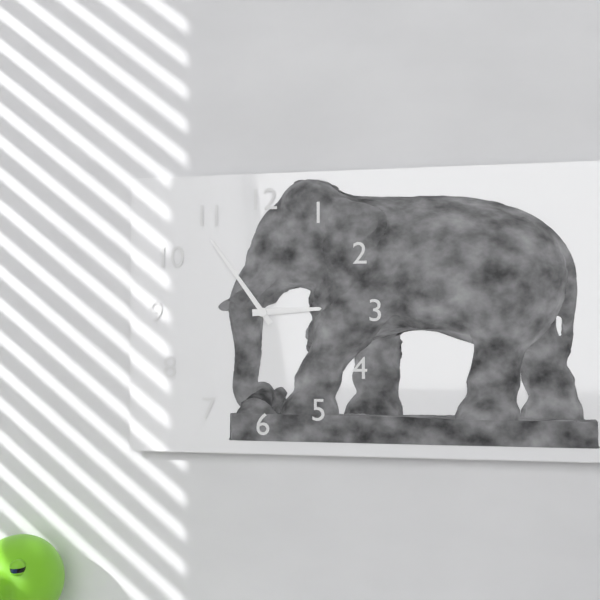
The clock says 2:54
